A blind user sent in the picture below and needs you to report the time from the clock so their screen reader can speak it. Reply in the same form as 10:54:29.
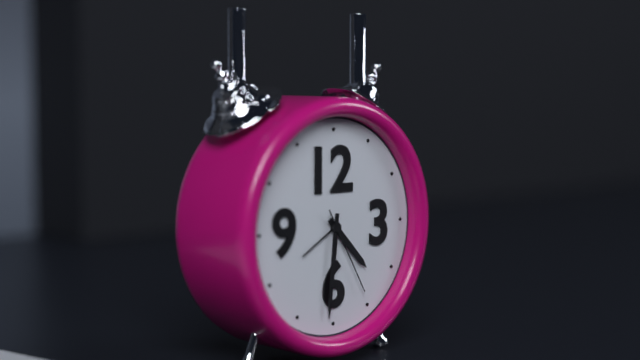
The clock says 4:31:25
